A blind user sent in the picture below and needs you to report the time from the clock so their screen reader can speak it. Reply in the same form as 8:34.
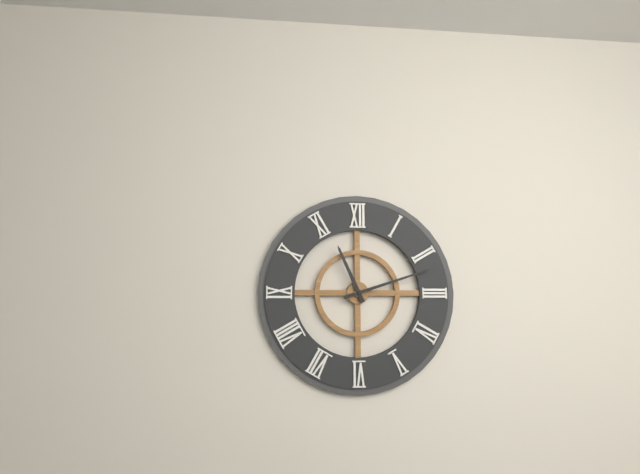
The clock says 11:12
